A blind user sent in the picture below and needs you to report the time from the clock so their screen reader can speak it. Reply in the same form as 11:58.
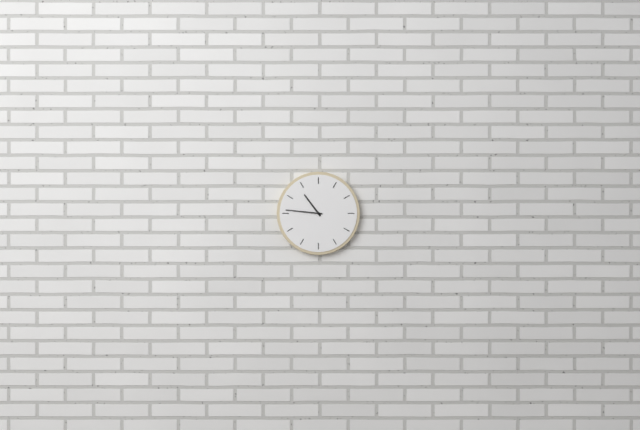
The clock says 10:46
